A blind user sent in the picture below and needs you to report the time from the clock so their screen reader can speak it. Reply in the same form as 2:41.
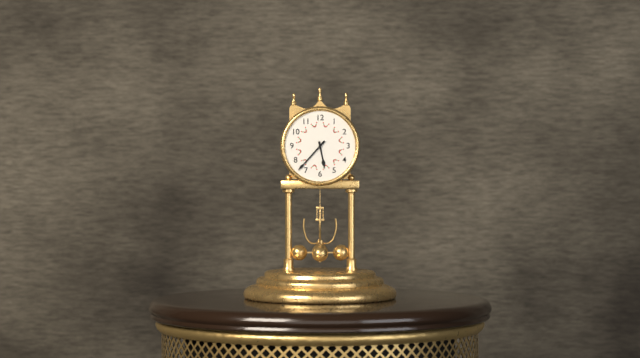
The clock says 5:37
